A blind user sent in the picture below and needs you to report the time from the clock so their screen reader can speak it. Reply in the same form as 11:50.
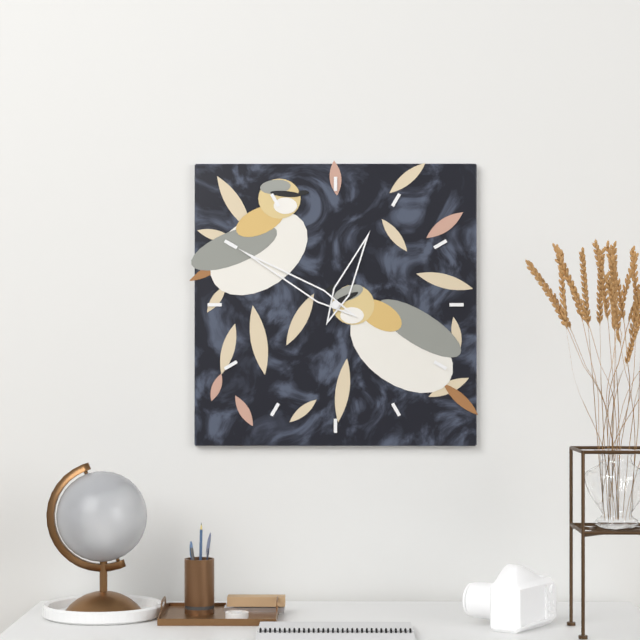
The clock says 12:50
